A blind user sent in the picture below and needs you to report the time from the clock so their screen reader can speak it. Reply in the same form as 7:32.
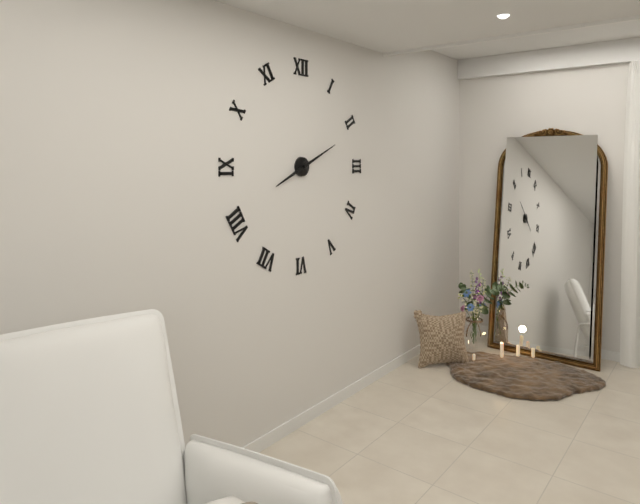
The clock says 8:11
